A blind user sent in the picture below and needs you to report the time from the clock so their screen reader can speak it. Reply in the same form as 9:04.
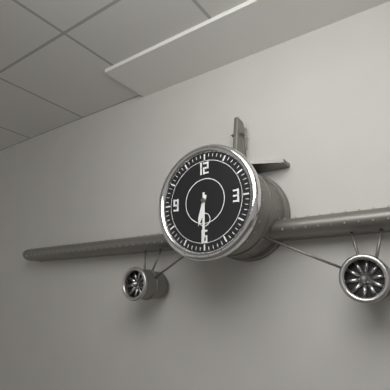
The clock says 6:30
